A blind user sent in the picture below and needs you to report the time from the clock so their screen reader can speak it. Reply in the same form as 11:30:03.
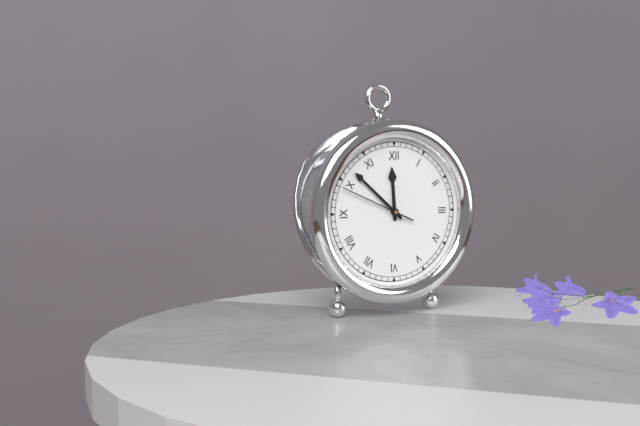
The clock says 11:52:49
